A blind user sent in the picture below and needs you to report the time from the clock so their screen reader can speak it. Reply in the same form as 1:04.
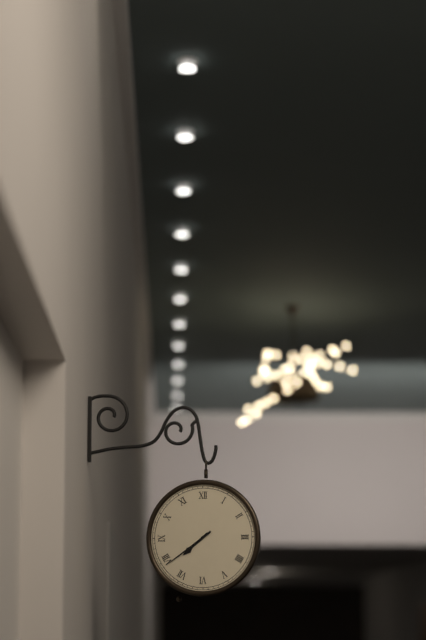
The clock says 7:39
